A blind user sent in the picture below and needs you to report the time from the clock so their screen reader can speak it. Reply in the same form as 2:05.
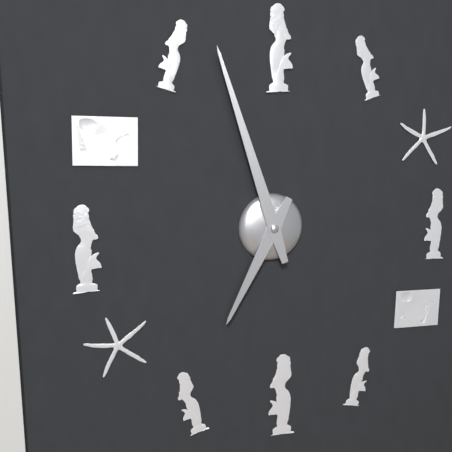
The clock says 6:57
